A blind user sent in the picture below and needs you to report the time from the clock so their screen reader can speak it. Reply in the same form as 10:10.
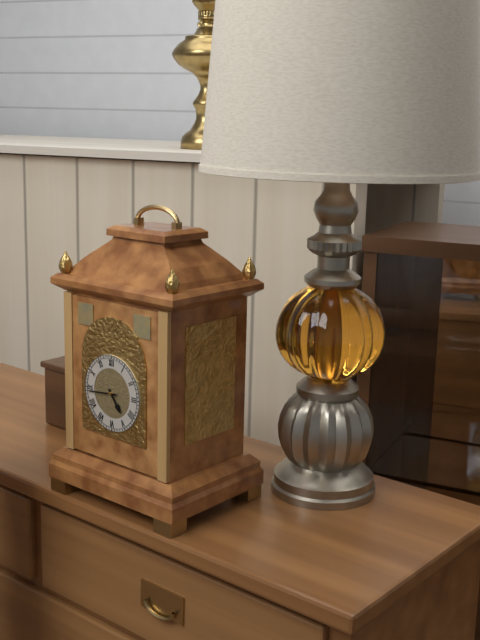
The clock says 4:44
